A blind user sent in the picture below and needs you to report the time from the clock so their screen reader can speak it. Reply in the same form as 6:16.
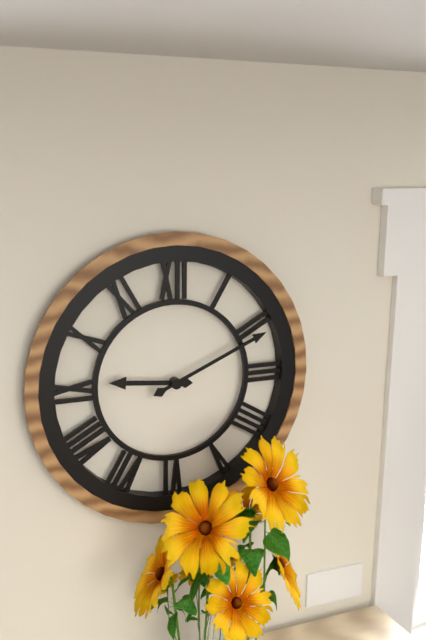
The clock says 9:11
